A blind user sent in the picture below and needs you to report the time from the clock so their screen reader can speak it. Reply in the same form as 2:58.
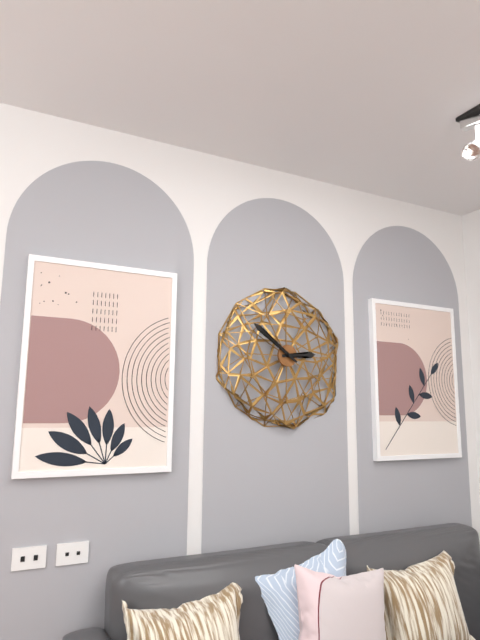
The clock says 2:51
